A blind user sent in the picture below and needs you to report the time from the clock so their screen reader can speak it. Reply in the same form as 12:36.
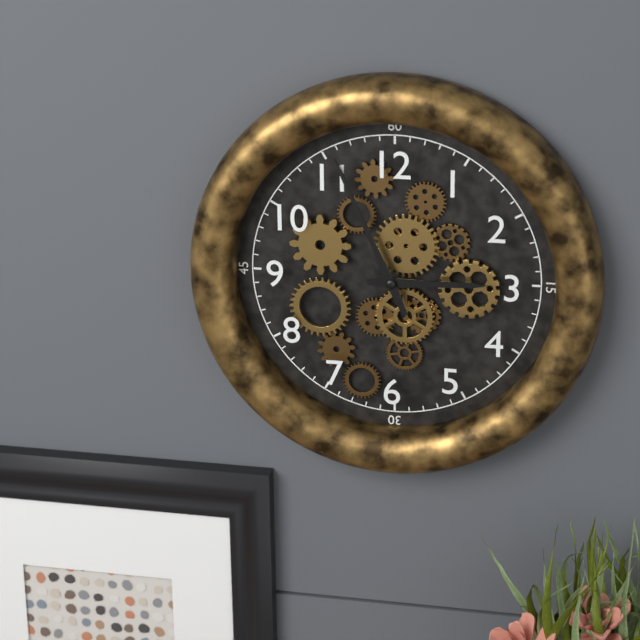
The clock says 2:56
